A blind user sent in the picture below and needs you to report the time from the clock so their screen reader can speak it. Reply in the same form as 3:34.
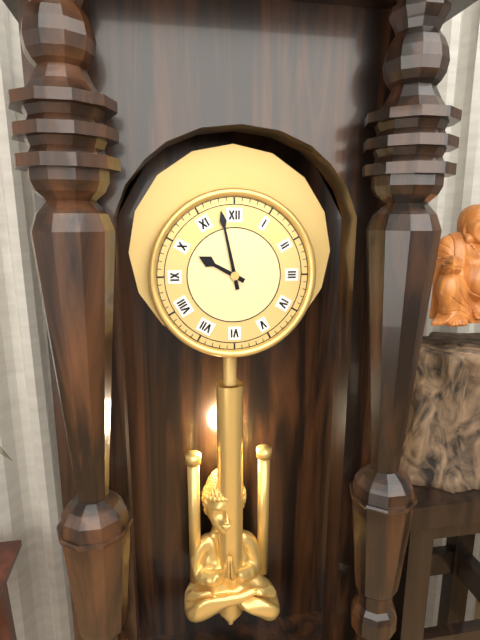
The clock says 9:58
